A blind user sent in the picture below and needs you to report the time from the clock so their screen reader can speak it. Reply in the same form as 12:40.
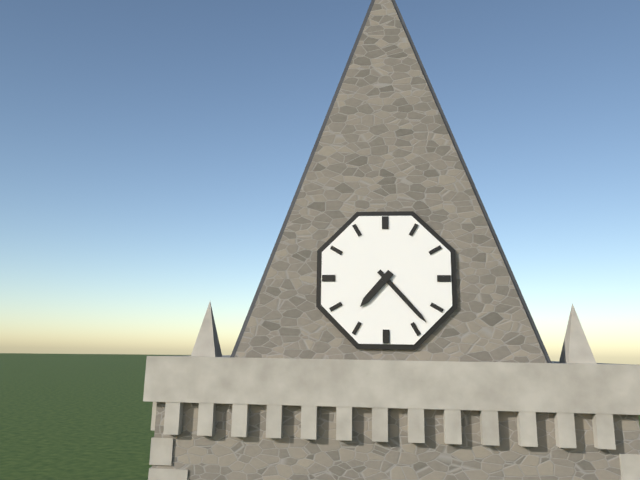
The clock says 7:23
